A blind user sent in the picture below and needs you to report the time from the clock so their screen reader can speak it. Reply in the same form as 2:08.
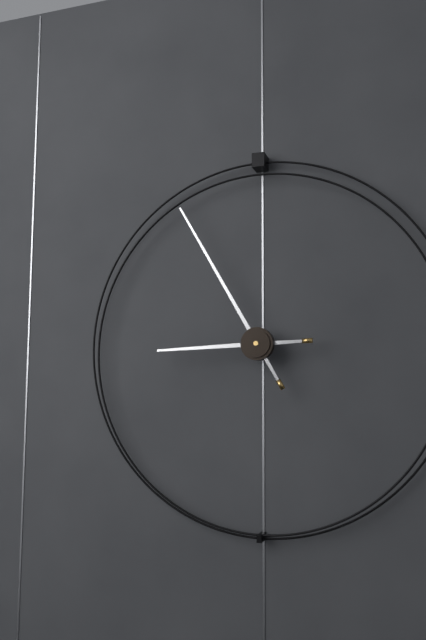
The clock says 8:55
